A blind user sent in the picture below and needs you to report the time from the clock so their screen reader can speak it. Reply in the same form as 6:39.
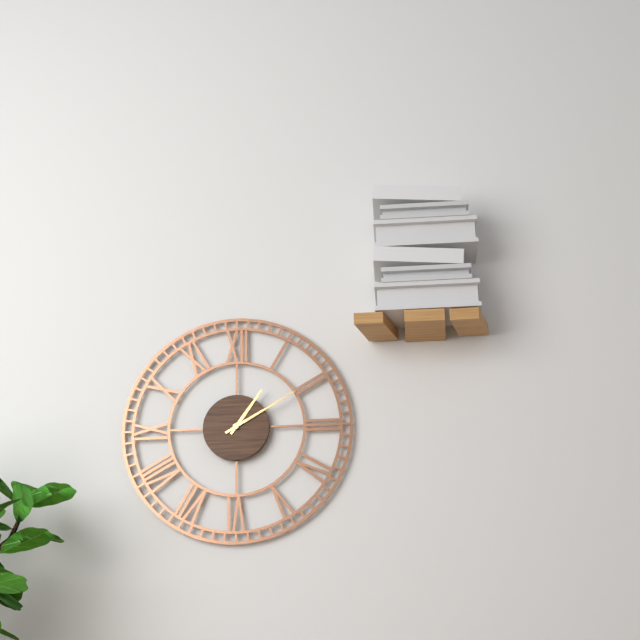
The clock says 1:10
